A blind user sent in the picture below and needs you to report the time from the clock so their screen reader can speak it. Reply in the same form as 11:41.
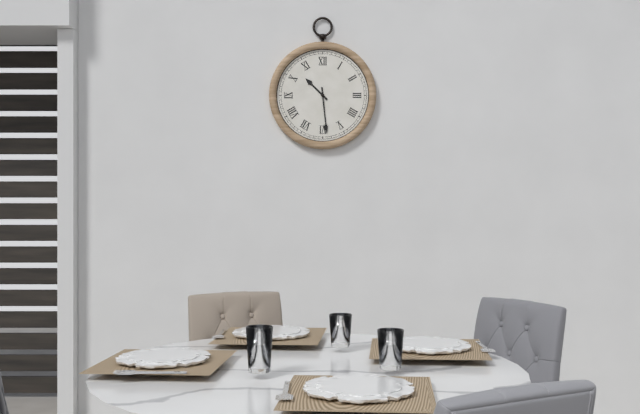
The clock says 10:29
